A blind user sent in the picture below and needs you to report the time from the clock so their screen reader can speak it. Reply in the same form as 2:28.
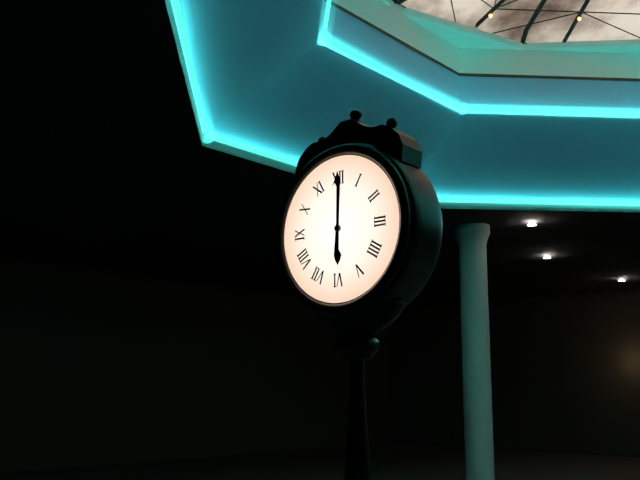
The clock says 6:00
